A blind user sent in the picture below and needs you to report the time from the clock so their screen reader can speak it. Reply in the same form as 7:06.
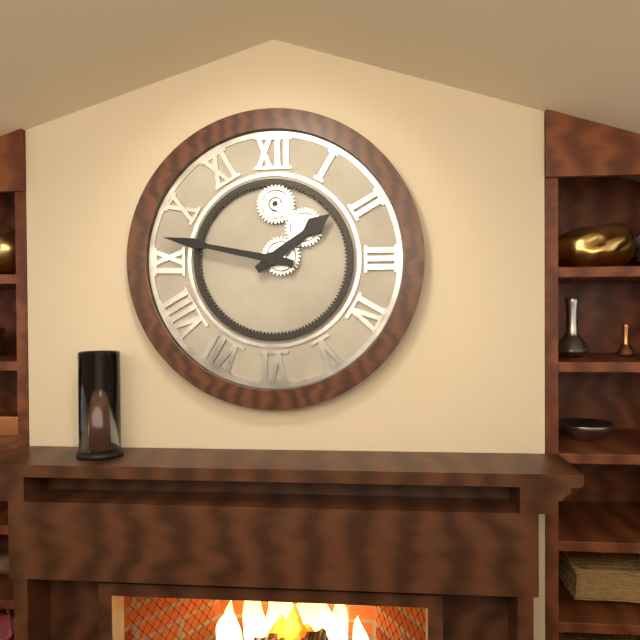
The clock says 1:47
